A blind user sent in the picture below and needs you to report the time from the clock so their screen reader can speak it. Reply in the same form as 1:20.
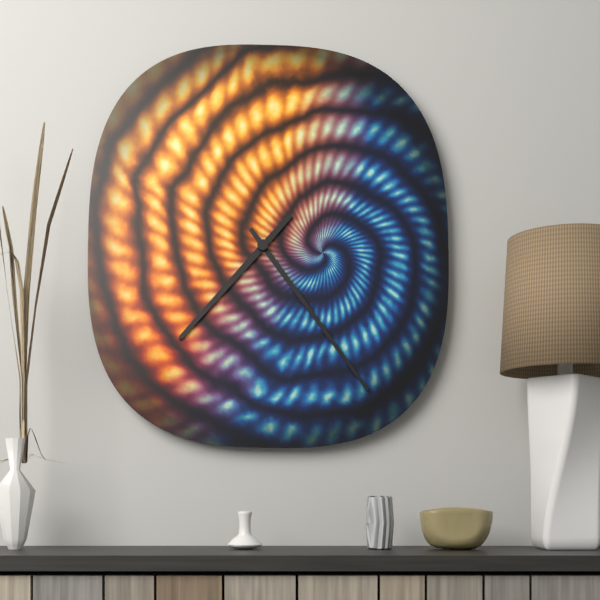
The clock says 7:24
